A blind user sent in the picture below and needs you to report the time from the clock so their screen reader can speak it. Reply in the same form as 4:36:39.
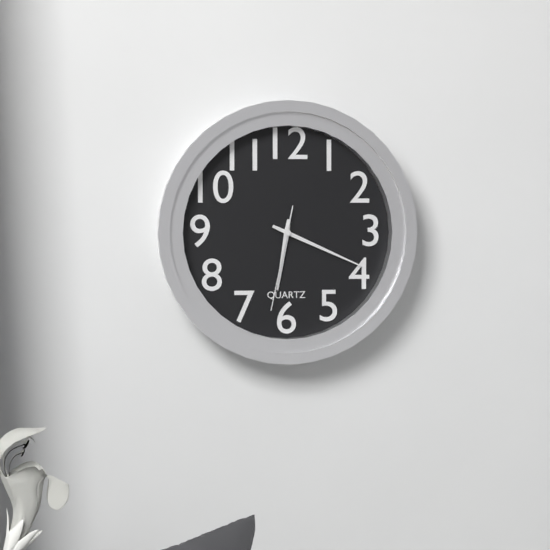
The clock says 6:19:32
